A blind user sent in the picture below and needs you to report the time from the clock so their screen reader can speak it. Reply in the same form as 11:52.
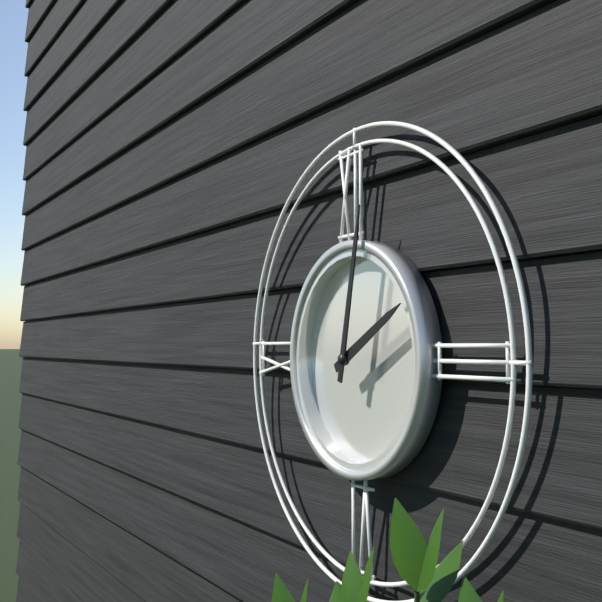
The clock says 2:02
